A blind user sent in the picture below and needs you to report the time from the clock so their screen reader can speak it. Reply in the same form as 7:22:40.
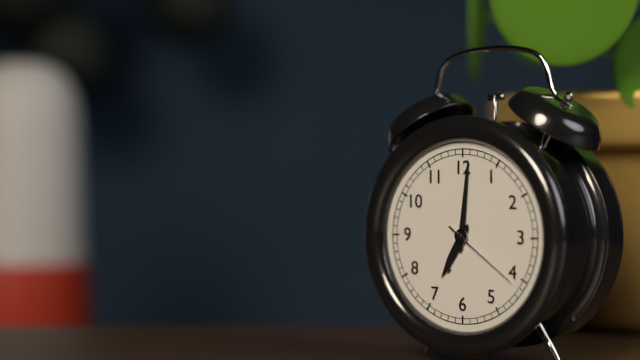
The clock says 7:01:21
